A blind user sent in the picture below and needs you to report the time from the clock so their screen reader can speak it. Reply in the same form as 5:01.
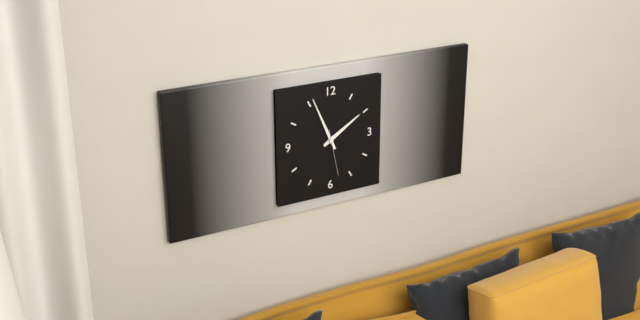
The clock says 1:56
